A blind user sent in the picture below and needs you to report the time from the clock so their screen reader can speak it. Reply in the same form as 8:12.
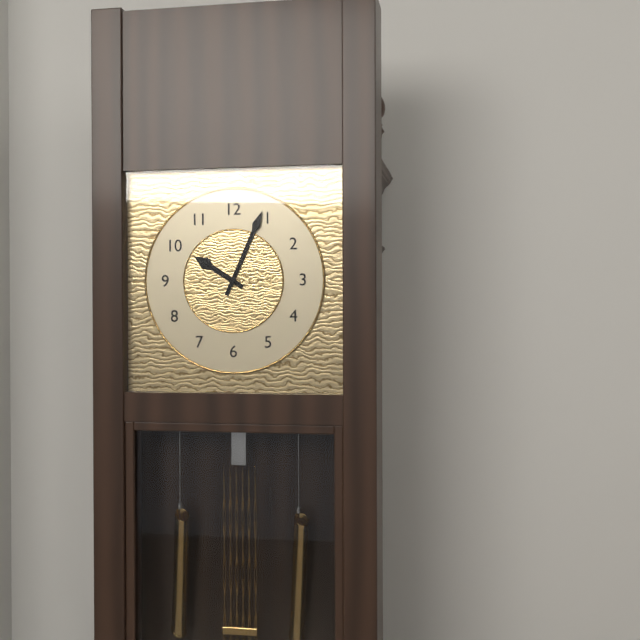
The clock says 10:04
